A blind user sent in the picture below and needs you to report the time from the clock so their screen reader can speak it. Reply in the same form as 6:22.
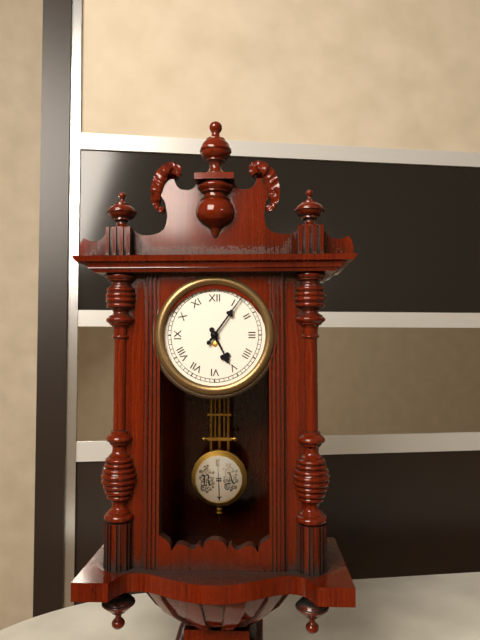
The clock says 5:06
